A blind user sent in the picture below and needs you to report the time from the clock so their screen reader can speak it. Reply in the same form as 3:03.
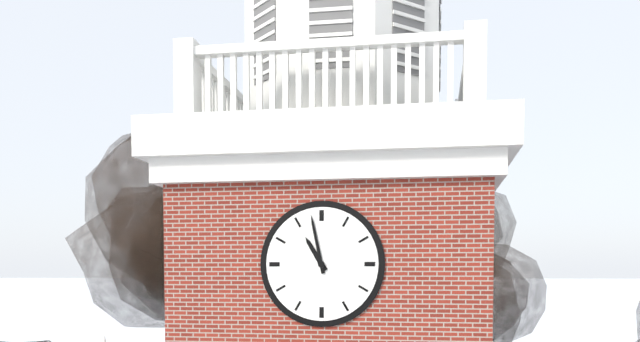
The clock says 10:58
